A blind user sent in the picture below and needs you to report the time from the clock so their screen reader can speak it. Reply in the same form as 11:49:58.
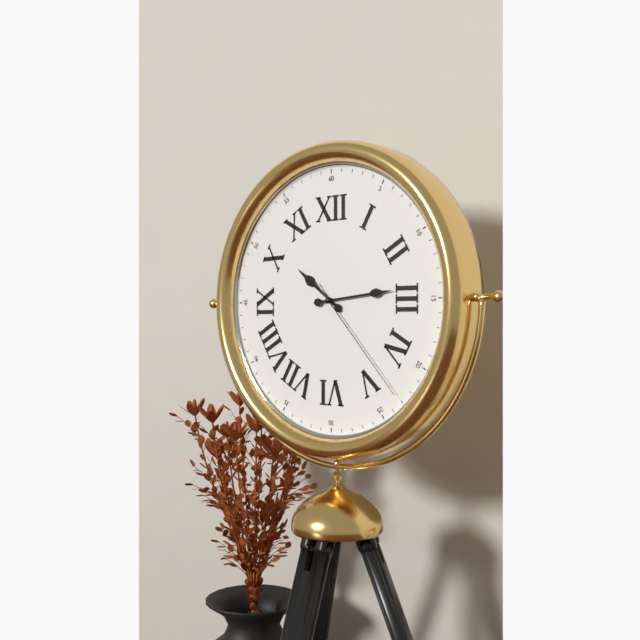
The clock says 10:14:23
